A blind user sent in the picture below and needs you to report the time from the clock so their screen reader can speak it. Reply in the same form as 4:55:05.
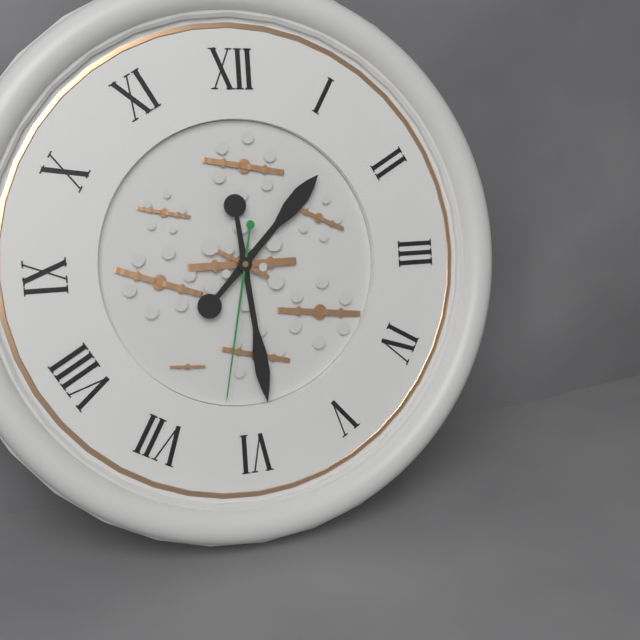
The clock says 1:29:32
